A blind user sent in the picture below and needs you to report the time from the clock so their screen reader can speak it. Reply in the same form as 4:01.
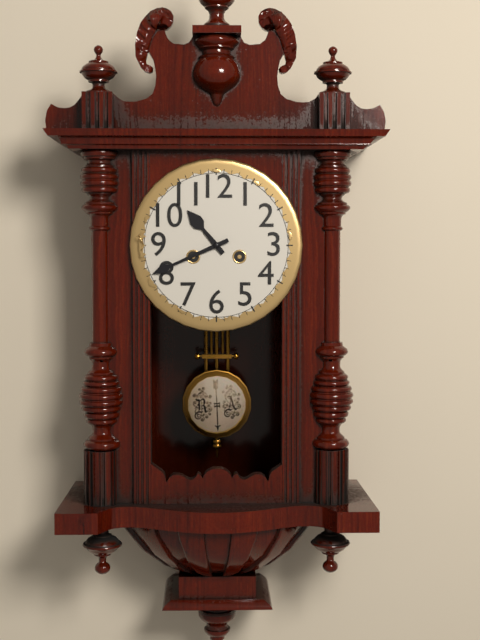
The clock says 10:41
